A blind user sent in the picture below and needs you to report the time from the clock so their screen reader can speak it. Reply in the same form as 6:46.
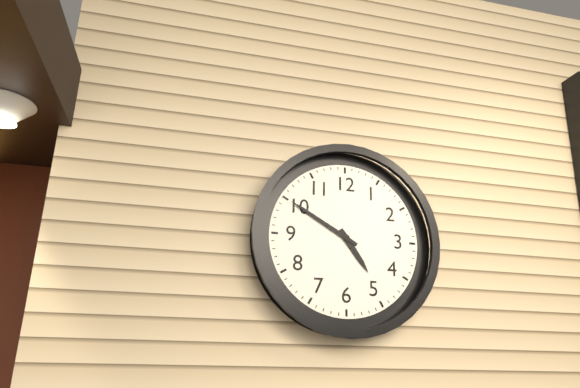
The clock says 4:50
